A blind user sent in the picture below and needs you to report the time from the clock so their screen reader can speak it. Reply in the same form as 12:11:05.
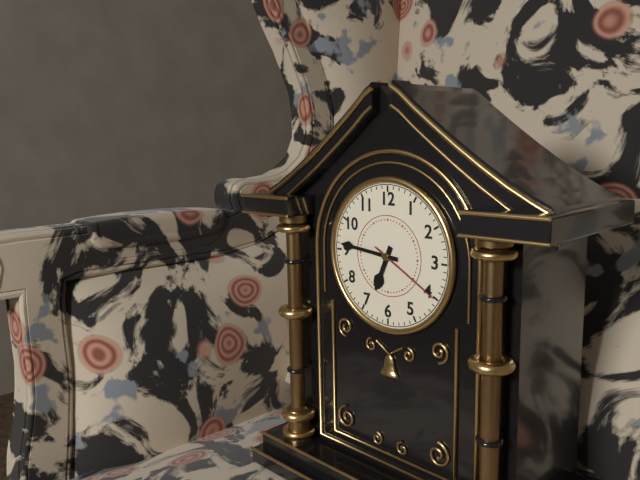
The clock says 6:46:20
